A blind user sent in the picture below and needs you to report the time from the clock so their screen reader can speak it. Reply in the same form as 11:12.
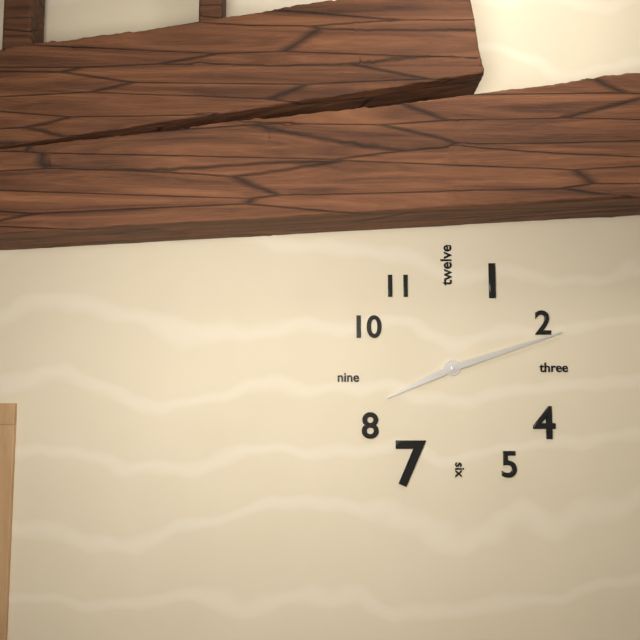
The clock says 8:12
